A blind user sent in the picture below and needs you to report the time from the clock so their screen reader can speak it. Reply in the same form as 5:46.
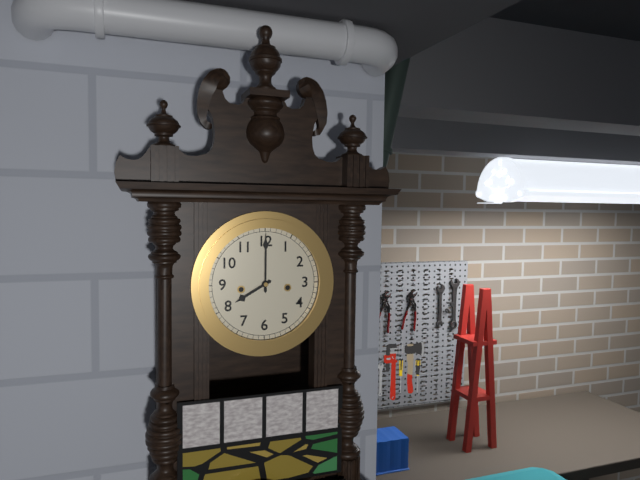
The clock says 8:00
